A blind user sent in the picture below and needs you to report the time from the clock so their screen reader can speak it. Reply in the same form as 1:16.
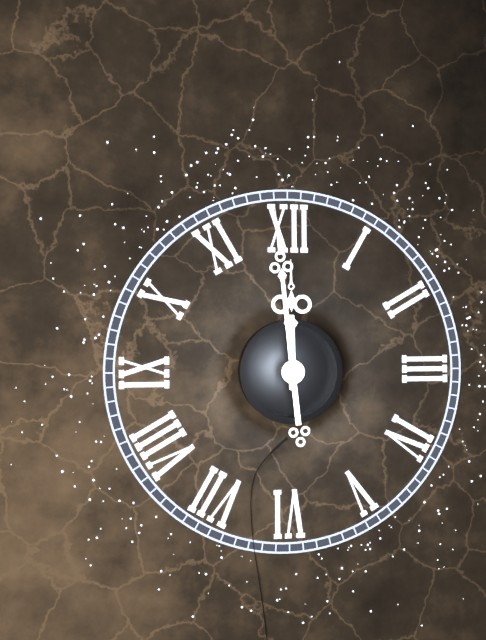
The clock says 11:59
